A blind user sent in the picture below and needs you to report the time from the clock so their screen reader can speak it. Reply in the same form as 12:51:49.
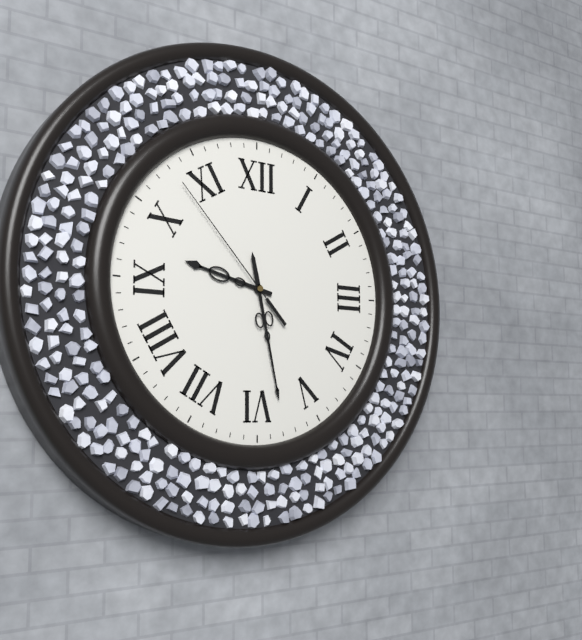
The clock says 9:28:53
